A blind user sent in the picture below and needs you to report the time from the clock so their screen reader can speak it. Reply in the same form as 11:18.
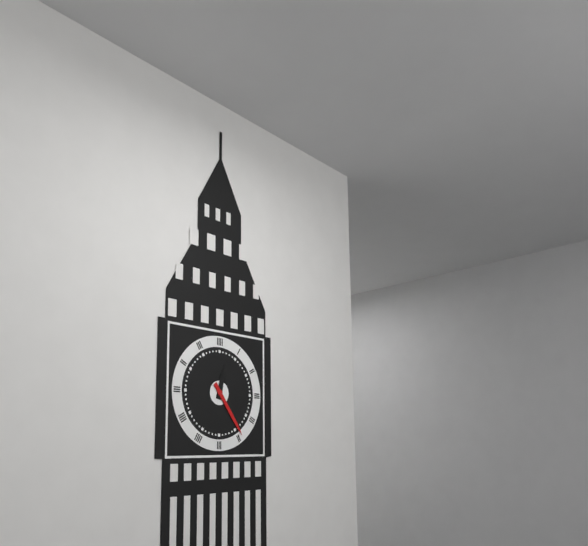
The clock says 12:24
